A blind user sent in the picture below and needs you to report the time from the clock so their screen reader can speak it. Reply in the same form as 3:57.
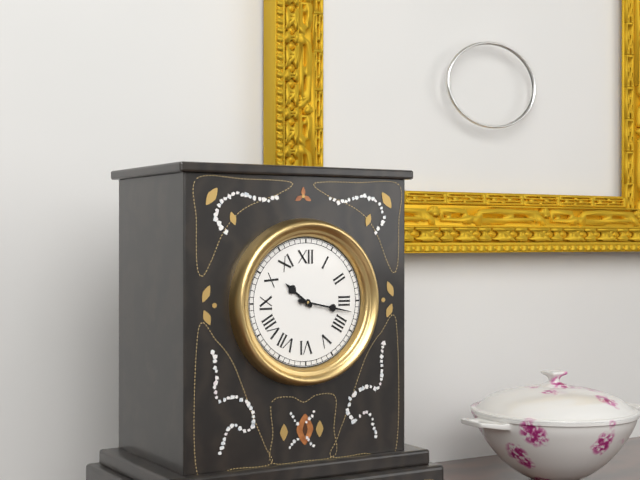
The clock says 10:17
